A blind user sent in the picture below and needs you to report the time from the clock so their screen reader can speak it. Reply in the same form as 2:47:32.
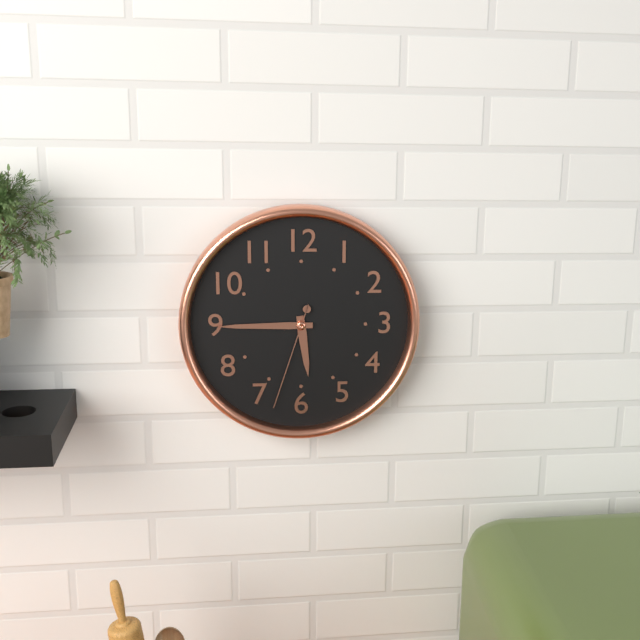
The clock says 5:45:33
